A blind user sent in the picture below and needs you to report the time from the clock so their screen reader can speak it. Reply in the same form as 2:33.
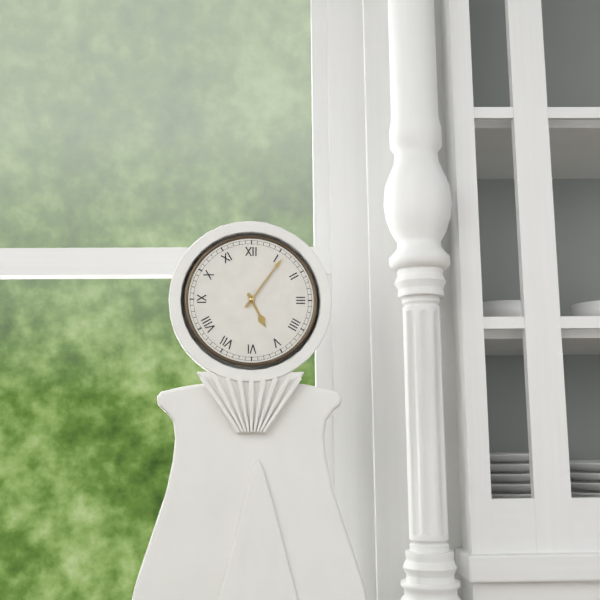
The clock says 5:06
